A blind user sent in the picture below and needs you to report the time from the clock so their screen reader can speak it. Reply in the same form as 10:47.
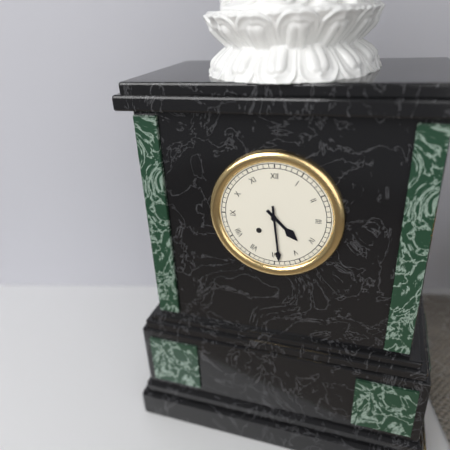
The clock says 4:29
